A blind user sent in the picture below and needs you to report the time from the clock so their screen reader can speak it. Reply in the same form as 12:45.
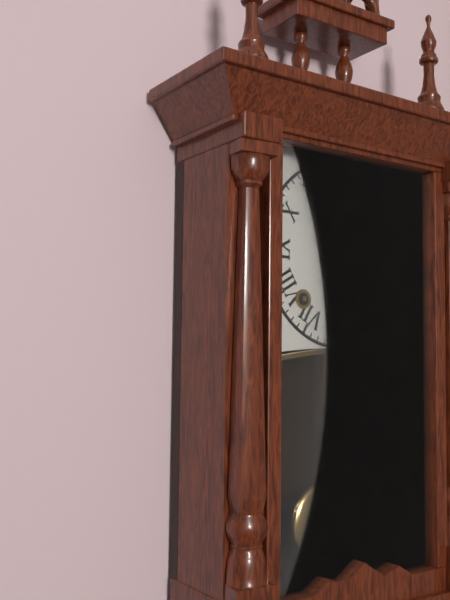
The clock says 11:10
